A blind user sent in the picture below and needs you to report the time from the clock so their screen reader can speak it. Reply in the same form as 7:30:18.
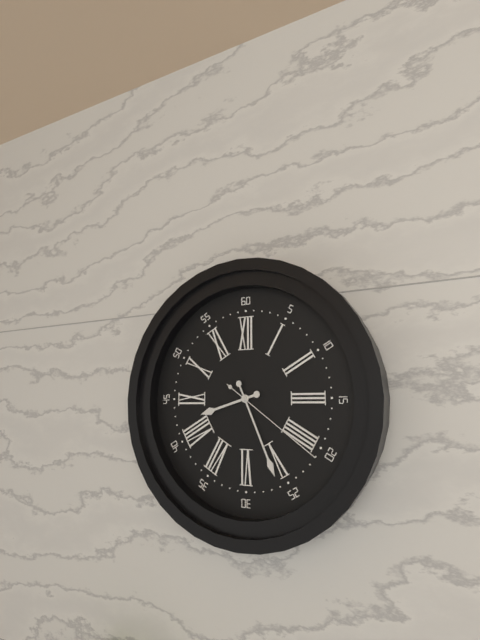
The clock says 8:26:21
